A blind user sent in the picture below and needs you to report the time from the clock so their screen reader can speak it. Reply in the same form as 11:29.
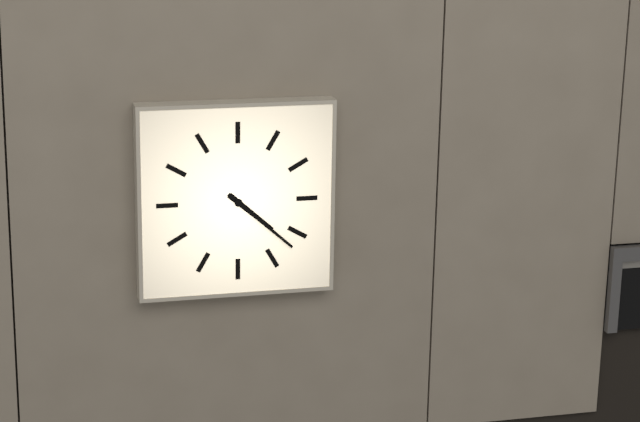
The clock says 4:22
